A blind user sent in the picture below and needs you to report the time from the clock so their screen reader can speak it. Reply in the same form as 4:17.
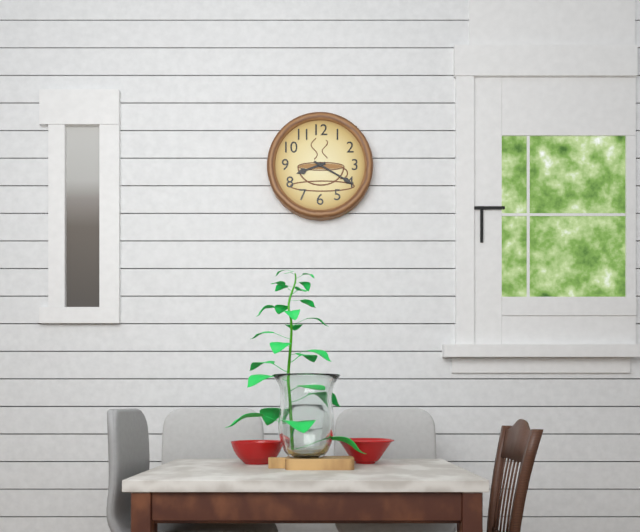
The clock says 8:20
